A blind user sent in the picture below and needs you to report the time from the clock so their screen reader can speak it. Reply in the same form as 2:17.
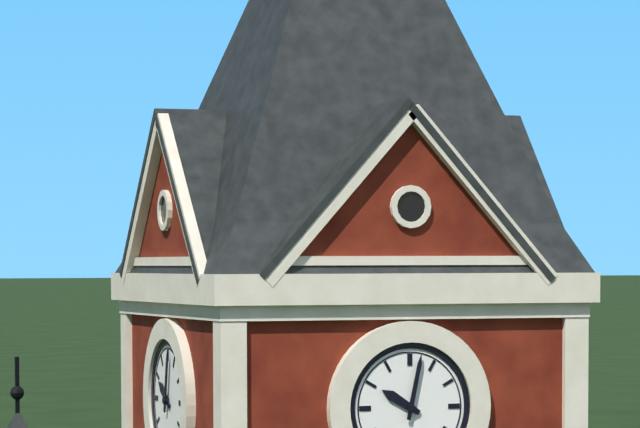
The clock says 10:02
